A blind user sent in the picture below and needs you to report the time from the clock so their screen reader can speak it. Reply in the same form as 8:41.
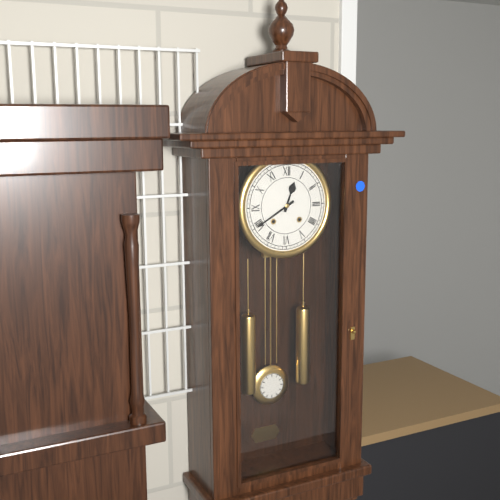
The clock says 12:40
